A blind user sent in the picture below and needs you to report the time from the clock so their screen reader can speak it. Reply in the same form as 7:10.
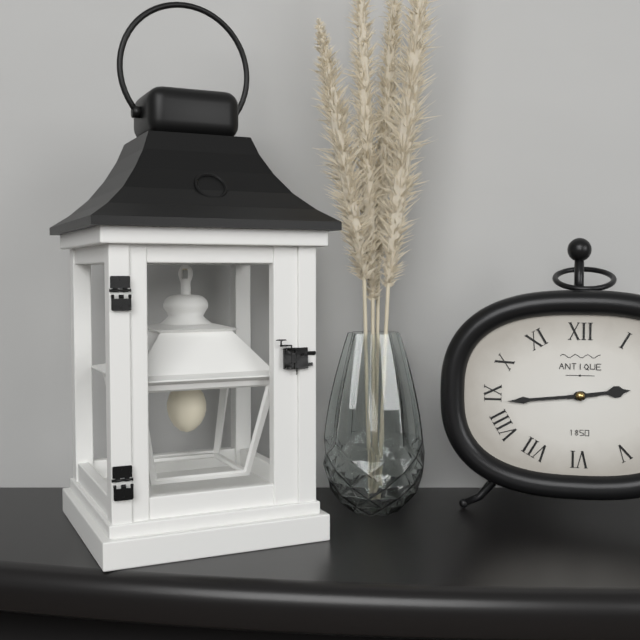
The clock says 2:44
